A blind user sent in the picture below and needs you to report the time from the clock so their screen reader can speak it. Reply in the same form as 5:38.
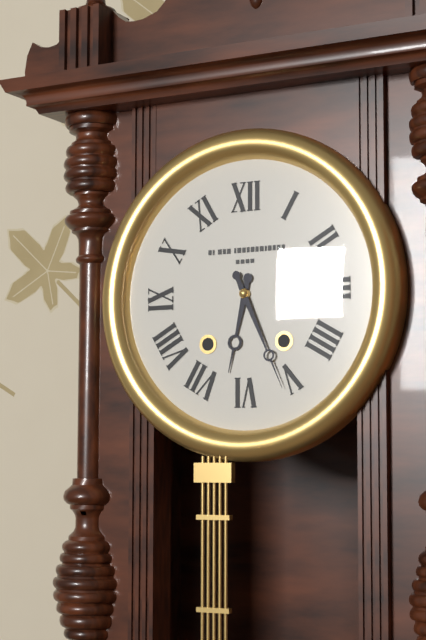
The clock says 6:26
